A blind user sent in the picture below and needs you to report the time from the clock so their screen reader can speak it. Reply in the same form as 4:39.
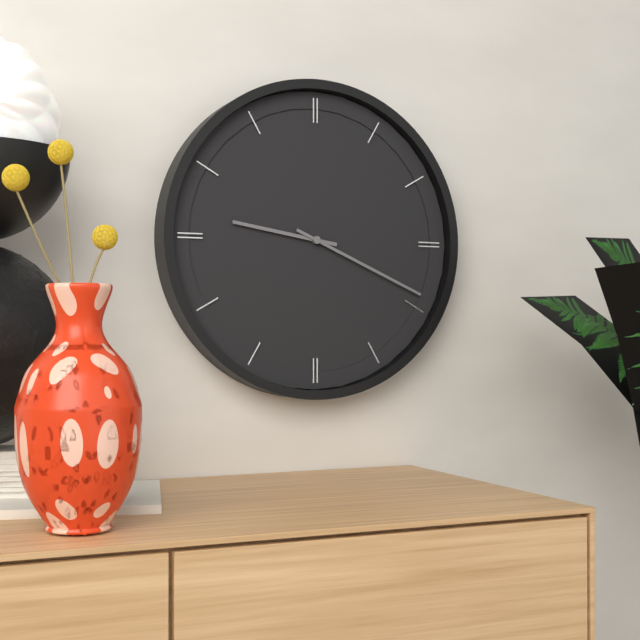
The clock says 9:19
